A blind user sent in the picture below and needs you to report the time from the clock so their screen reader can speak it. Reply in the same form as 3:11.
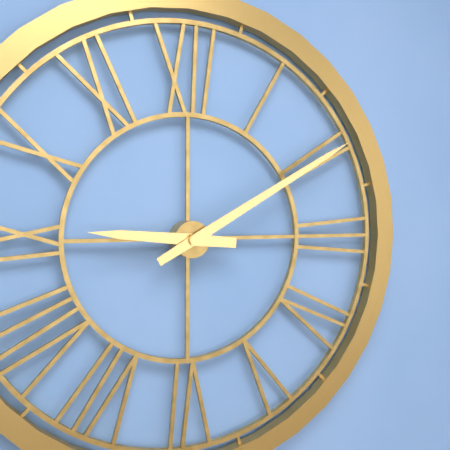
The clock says 9:10
